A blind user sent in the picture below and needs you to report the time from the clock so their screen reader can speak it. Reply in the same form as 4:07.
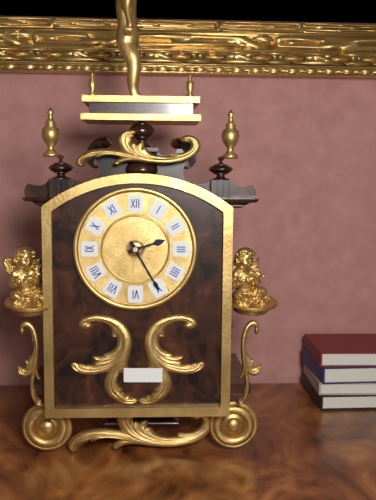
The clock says 2:25
